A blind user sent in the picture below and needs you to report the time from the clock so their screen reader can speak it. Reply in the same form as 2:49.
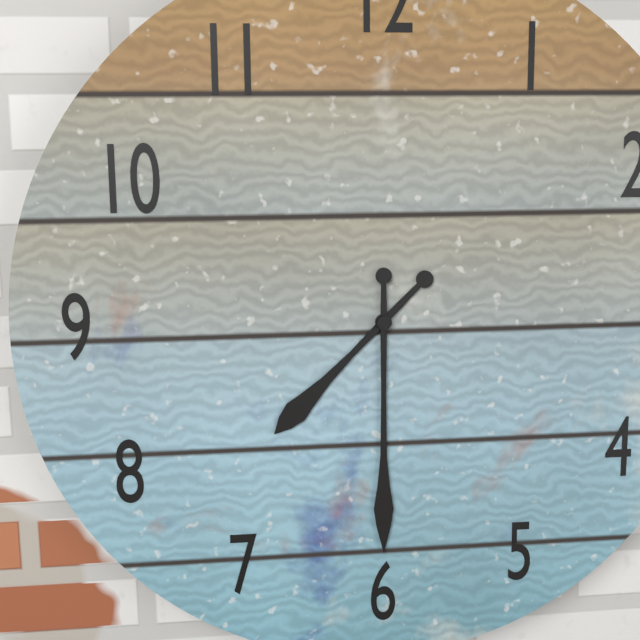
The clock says 7:30
